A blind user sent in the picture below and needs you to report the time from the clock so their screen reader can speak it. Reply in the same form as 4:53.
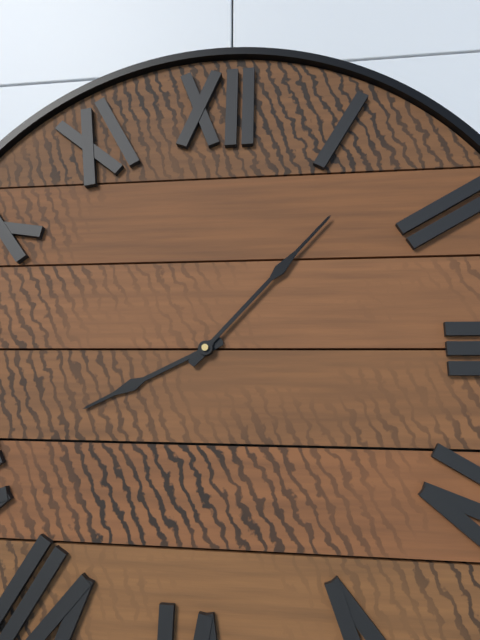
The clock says 8:07
